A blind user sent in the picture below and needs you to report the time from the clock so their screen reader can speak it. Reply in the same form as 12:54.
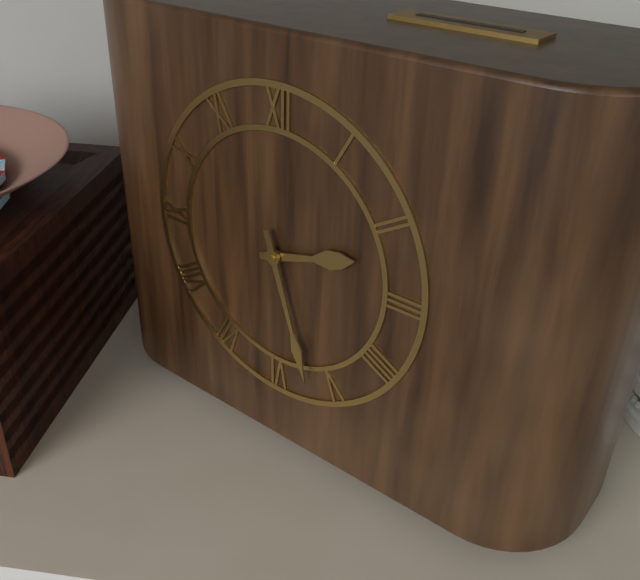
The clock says 2:27
